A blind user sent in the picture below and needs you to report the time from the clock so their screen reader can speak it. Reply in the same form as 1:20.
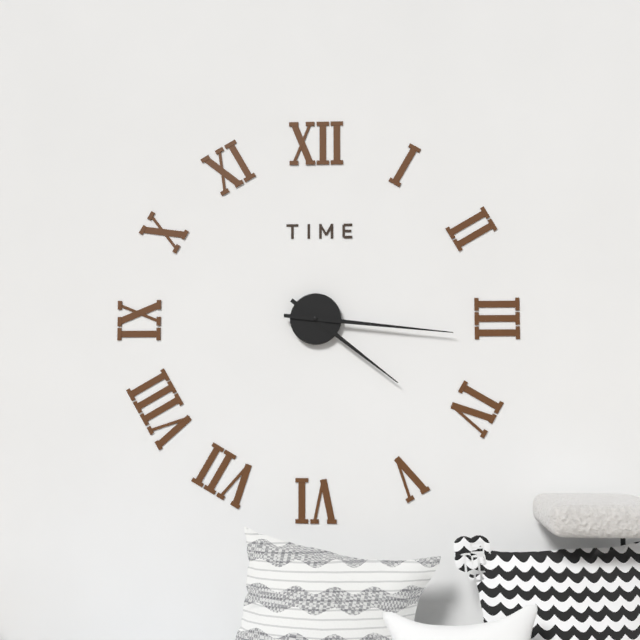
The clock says 4:16
